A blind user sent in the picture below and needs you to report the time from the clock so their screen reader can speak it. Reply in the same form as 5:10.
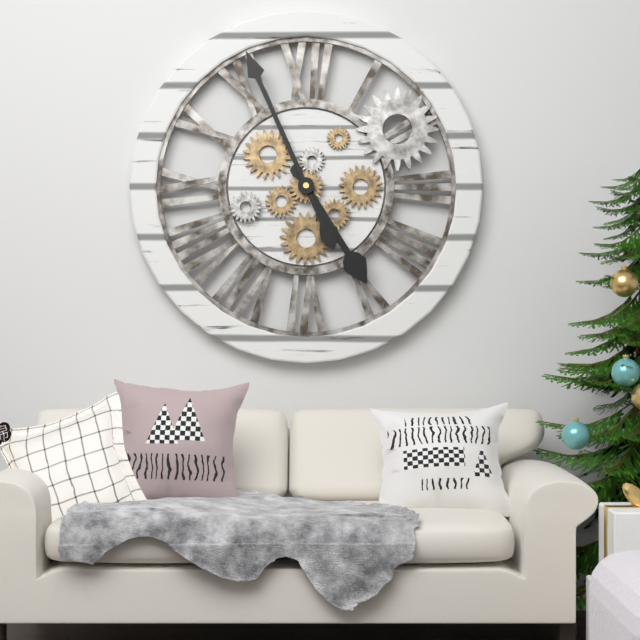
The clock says 4:56
